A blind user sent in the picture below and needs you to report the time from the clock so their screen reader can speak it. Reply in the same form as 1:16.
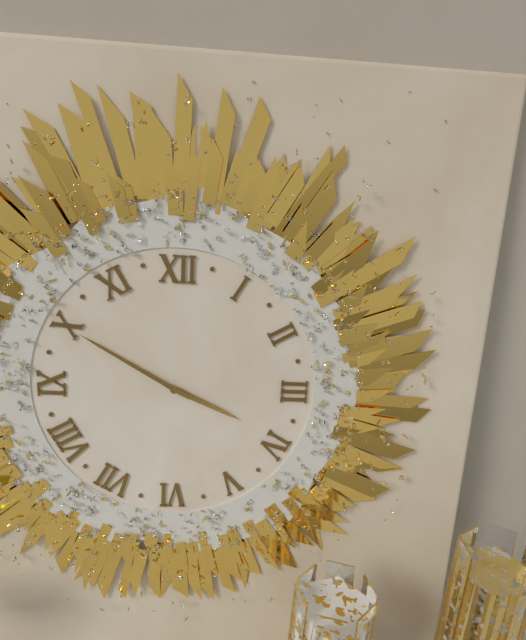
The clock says 3:50
